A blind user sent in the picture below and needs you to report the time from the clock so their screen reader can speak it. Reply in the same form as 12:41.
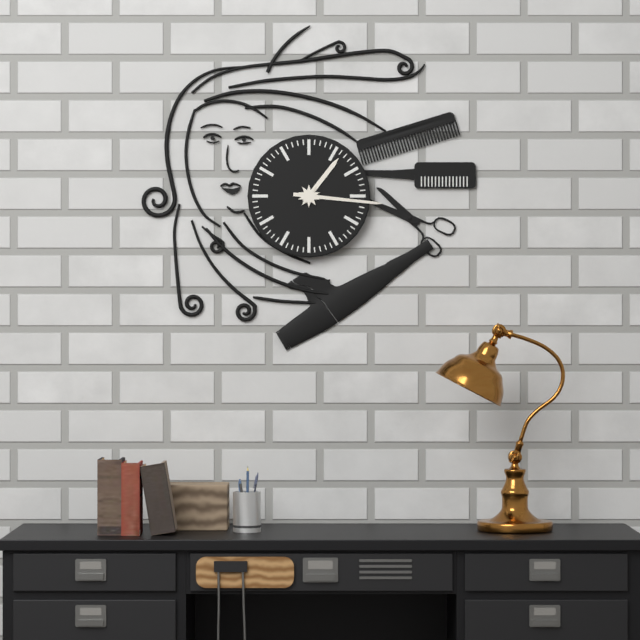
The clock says 1:16
